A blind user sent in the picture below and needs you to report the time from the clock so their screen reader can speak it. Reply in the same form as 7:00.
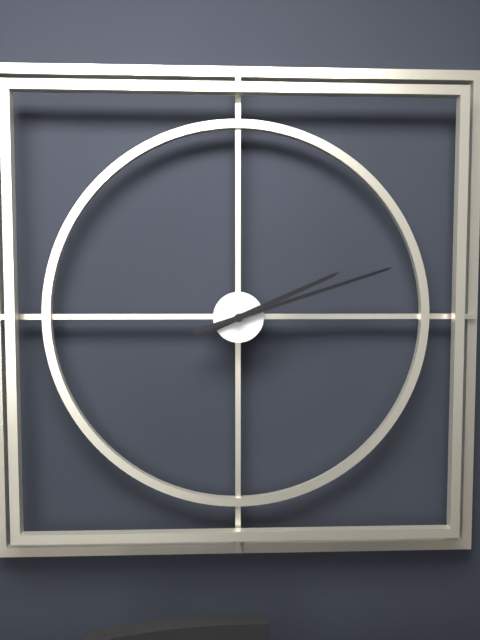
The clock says 2:12
